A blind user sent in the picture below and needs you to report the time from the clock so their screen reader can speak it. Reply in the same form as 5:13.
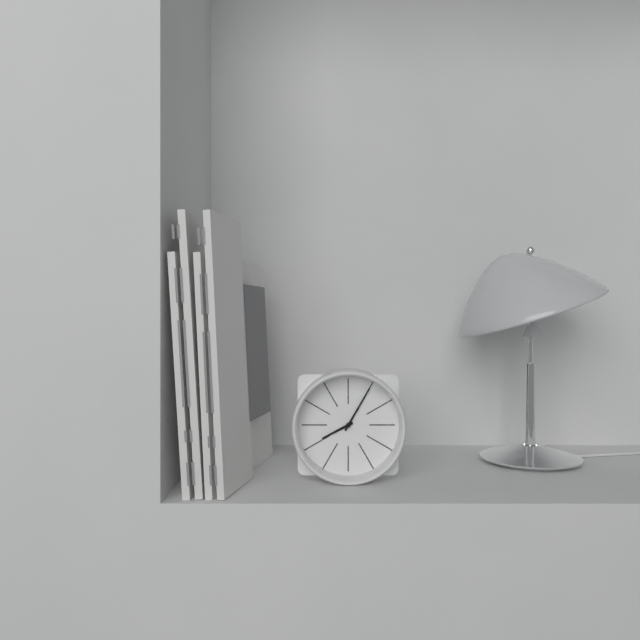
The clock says 8:05
